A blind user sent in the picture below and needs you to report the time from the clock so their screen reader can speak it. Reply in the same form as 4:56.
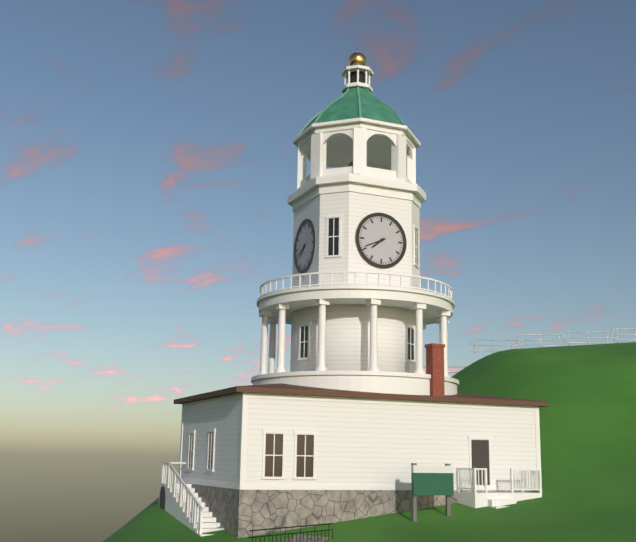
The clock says 7:41
